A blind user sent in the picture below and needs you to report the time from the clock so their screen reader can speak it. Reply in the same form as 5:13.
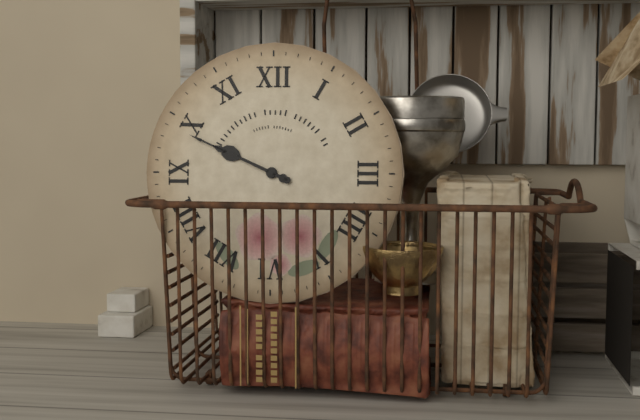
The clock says 9:49
